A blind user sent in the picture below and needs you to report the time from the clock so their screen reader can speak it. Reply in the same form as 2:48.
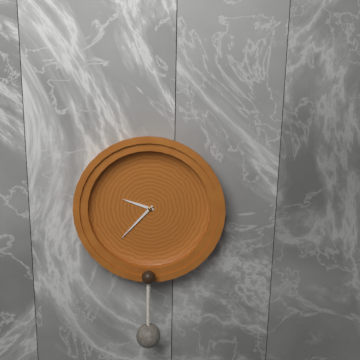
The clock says 9:37
